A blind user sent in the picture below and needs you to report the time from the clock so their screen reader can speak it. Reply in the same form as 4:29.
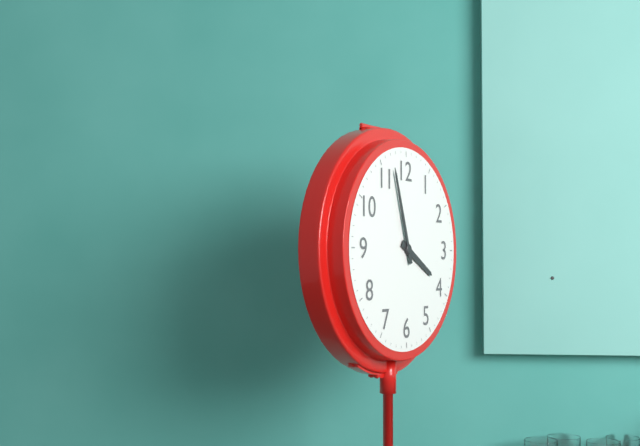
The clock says 3:57
